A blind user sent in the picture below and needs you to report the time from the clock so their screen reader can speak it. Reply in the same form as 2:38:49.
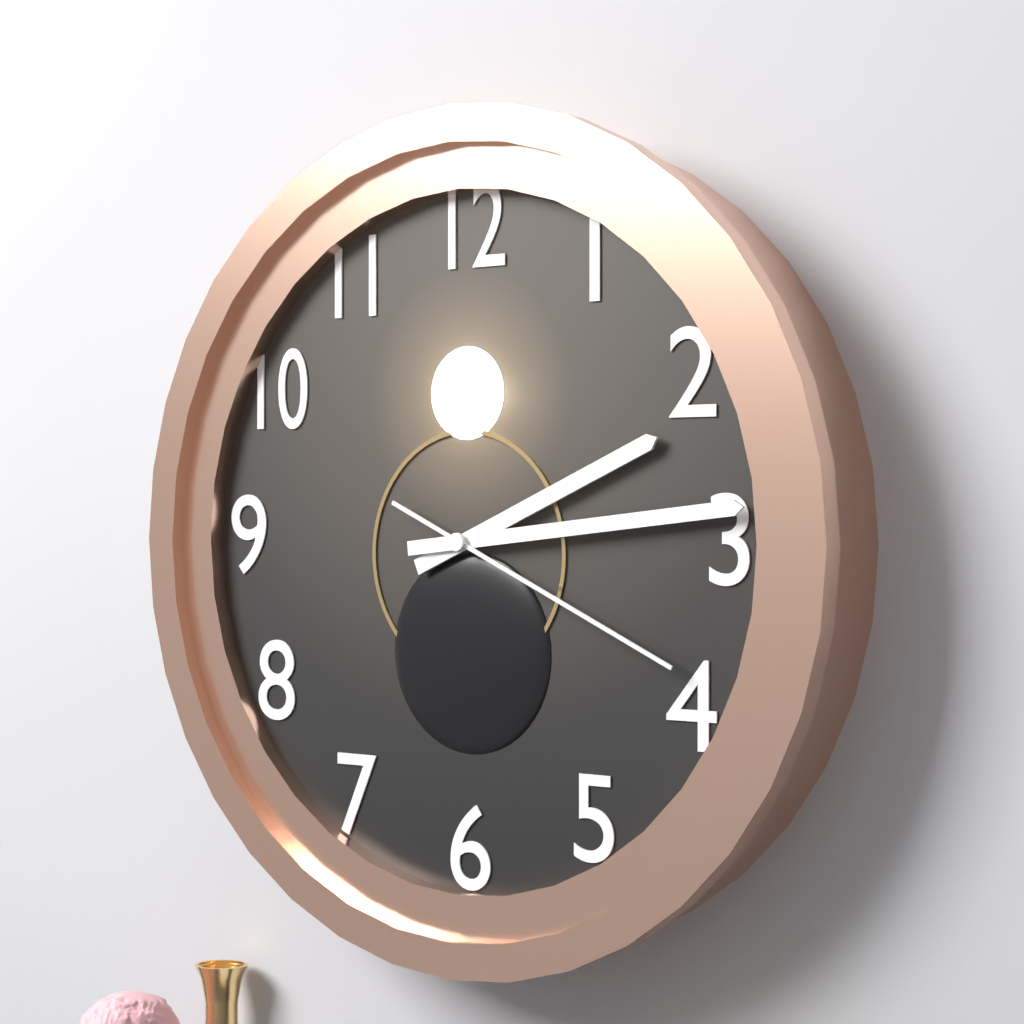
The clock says 2:14:19
